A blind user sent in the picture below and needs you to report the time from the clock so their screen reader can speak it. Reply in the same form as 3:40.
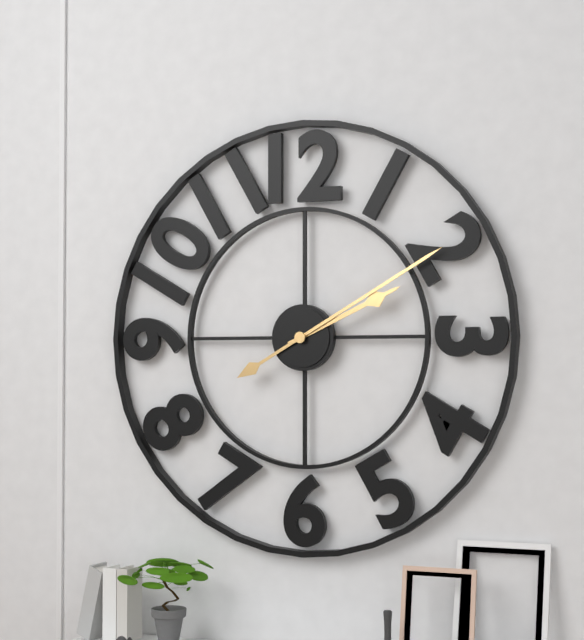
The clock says 2:10
